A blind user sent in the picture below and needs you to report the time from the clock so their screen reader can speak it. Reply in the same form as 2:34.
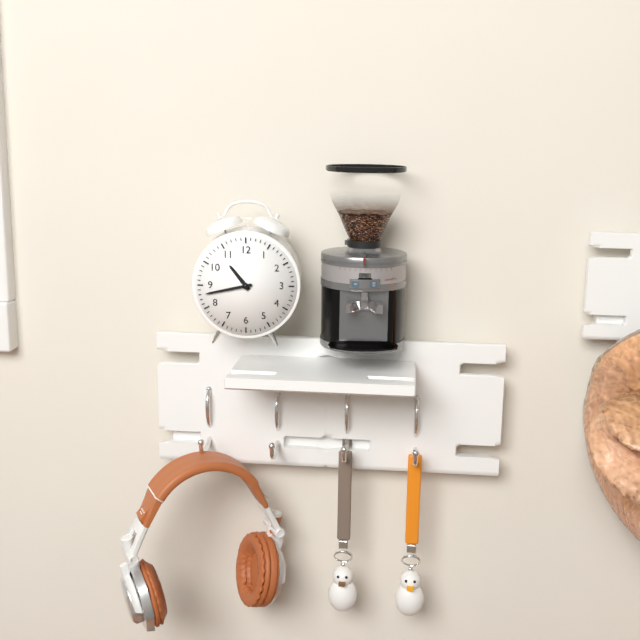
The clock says 10:43
